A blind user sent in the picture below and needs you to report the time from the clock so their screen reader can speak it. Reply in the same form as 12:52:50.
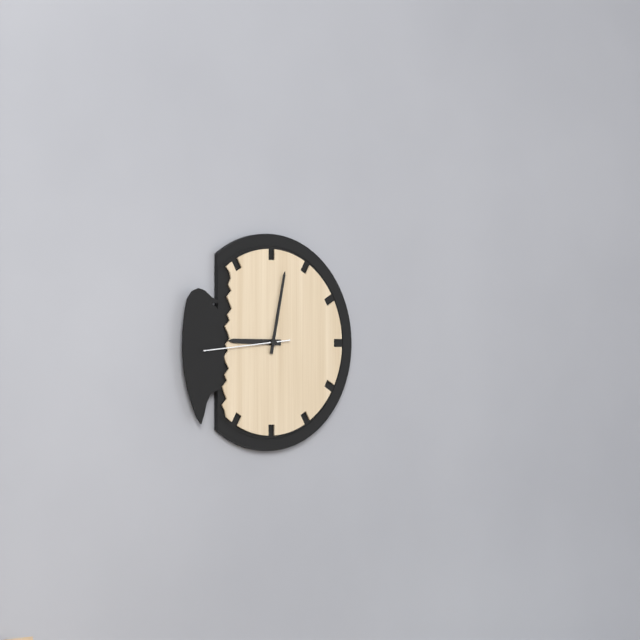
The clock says 9:02:44
